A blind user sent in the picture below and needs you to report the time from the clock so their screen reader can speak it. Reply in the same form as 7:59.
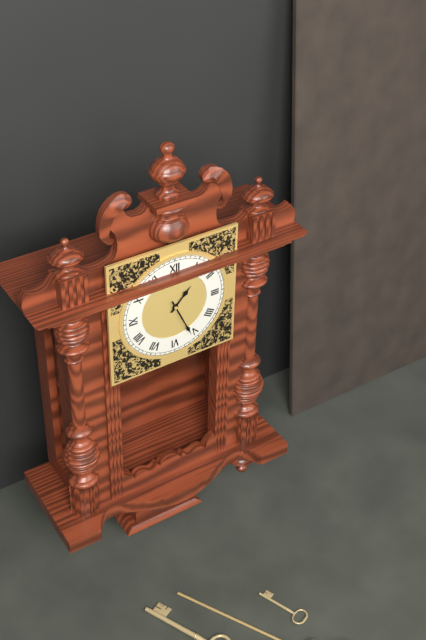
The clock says 1:26
